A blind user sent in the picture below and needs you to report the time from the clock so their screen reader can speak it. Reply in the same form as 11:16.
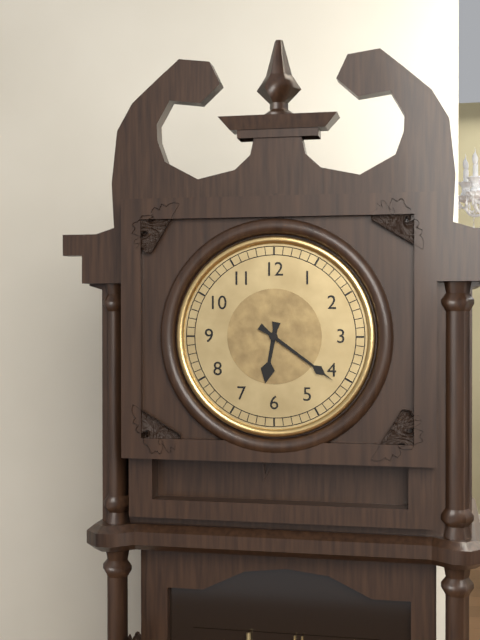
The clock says 6:21
